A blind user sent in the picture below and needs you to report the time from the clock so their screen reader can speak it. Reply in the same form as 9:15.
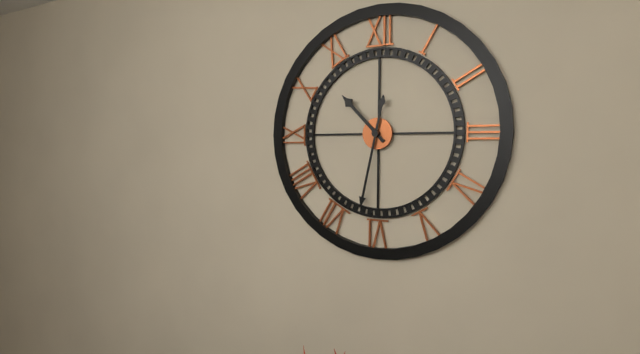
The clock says 10:32
